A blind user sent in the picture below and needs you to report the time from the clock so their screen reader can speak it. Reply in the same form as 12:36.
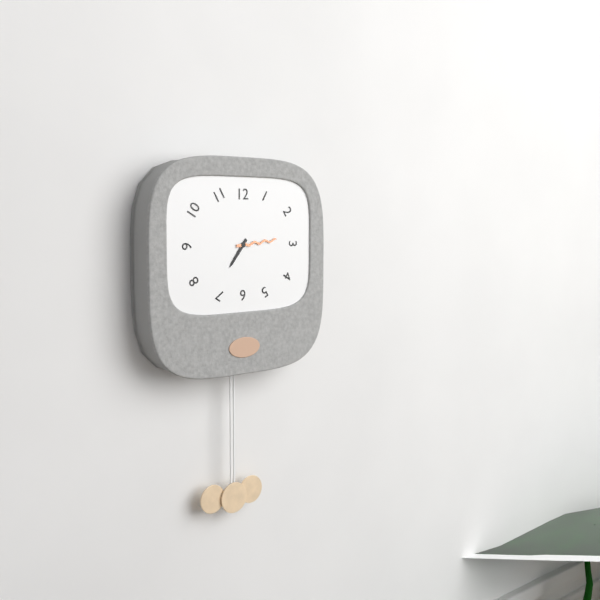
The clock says 7:14
